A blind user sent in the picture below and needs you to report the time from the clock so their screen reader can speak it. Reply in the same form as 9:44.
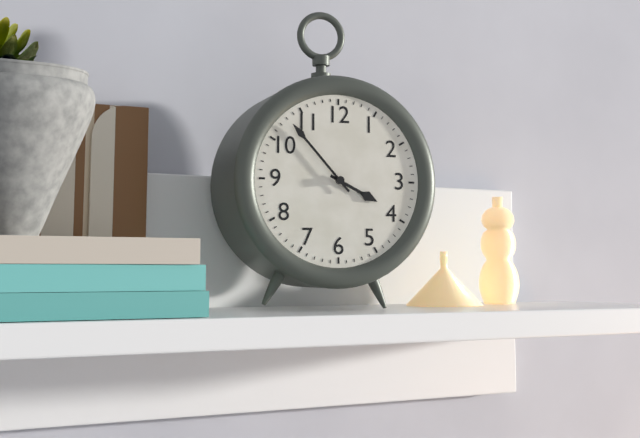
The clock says 3:53
